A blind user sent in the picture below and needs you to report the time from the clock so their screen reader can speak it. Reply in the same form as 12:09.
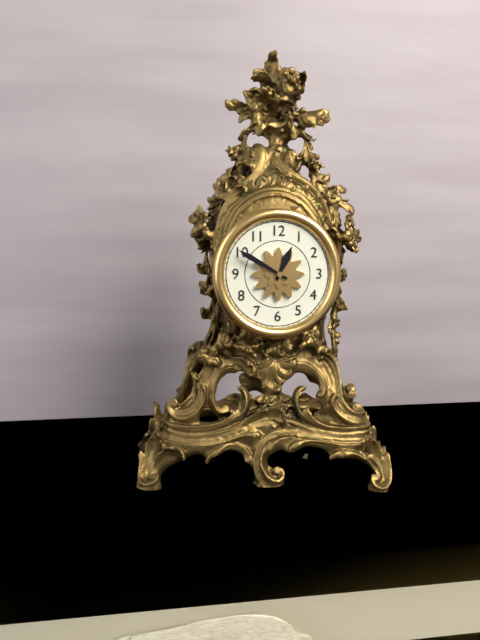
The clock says 12:50
